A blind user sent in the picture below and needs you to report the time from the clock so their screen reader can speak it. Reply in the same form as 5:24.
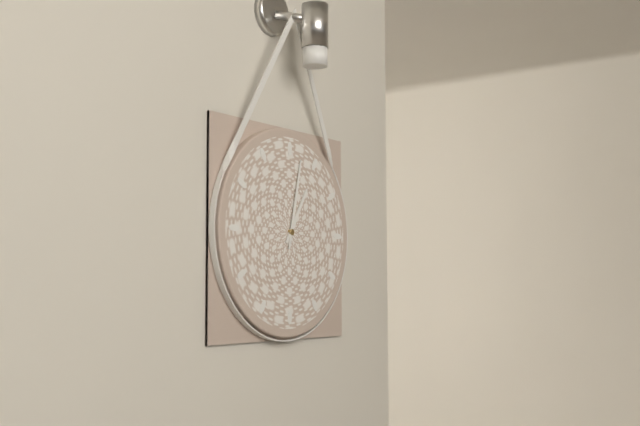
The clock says 1:02
